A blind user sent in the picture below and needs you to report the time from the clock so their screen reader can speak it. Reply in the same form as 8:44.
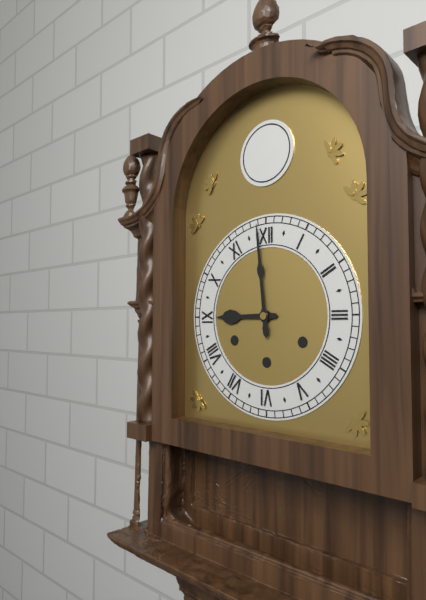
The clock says 8:59
